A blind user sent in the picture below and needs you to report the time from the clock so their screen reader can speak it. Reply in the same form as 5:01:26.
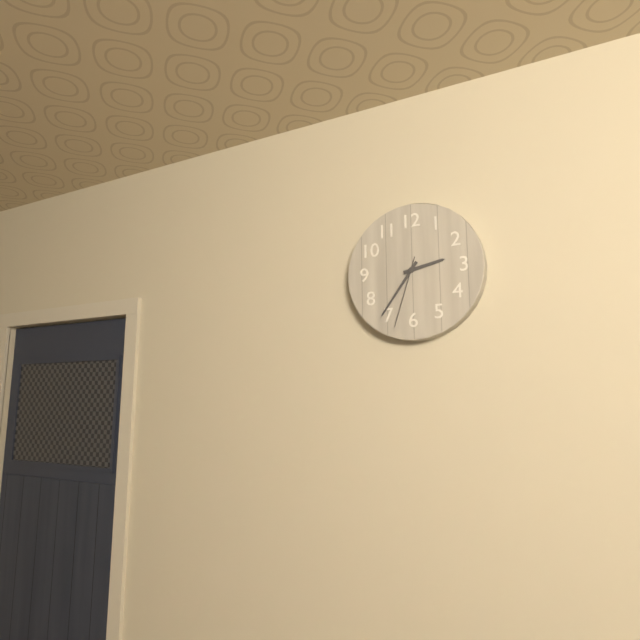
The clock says 2:36:33
